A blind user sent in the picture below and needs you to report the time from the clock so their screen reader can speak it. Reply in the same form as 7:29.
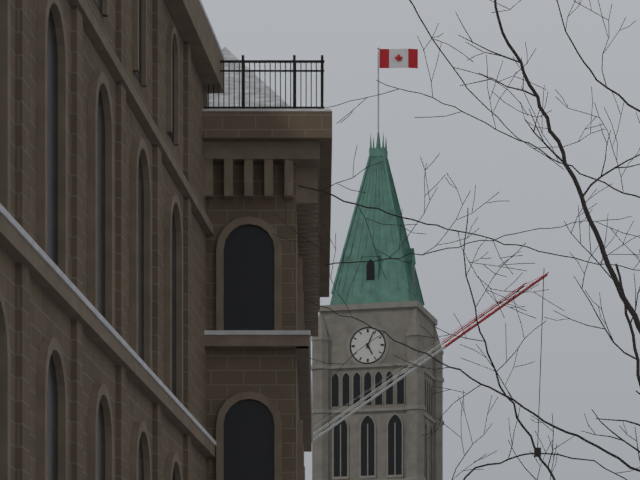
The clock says 5:04
